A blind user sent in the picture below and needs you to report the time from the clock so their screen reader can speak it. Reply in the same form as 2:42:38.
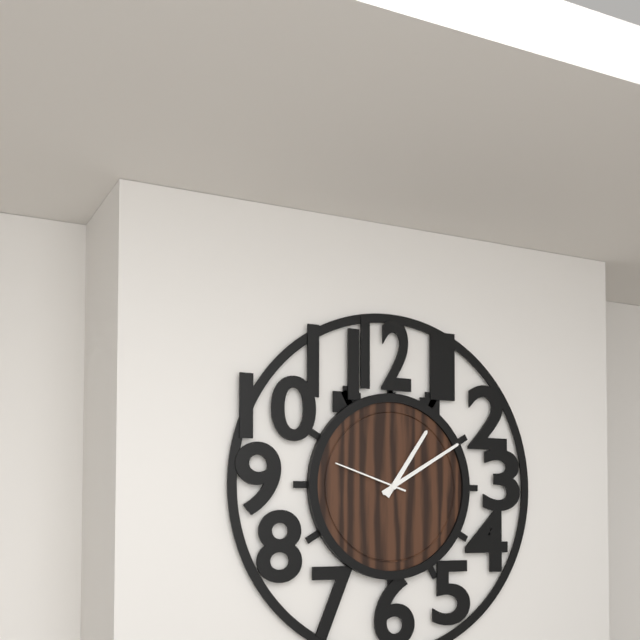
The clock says 1:10:48
